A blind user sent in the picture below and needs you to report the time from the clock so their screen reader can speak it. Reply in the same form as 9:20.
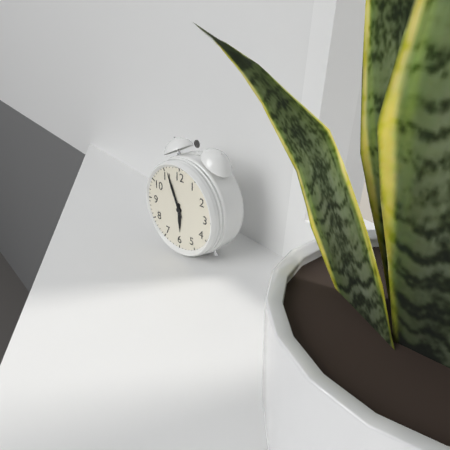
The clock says 5:56
